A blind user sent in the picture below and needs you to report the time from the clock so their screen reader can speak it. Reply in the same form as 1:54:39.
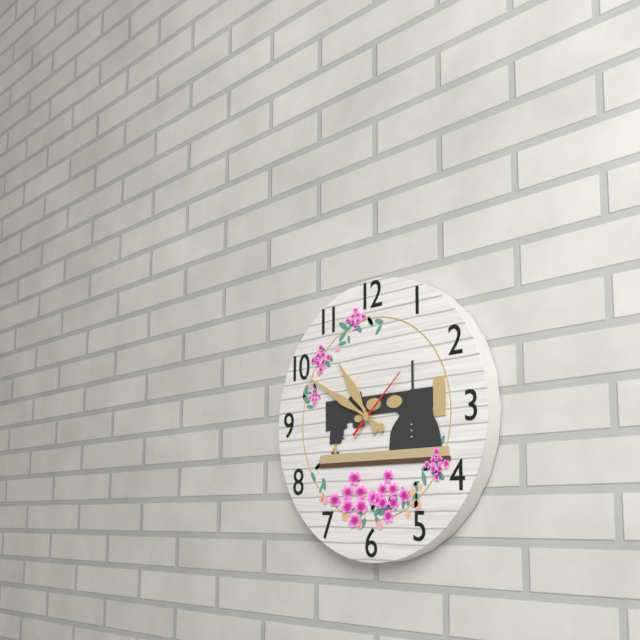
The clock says 10:50:08
